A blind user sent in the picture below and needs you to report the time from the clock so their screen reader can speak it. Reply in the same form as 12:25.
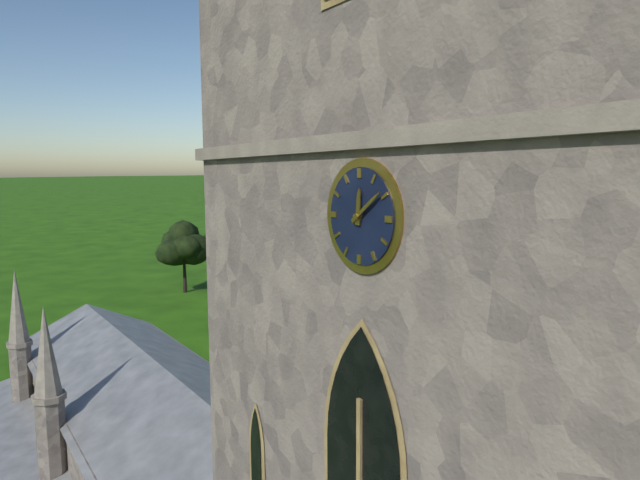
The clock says 12:09
